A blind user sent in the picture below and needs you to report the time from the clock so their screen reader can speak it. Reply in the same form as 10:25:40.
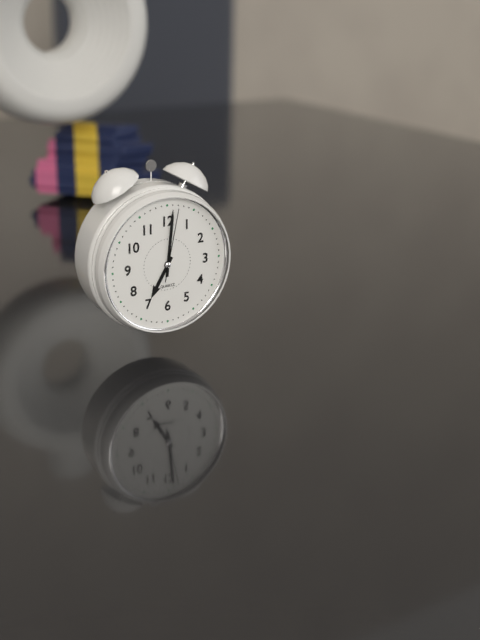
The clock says 7:01:02
